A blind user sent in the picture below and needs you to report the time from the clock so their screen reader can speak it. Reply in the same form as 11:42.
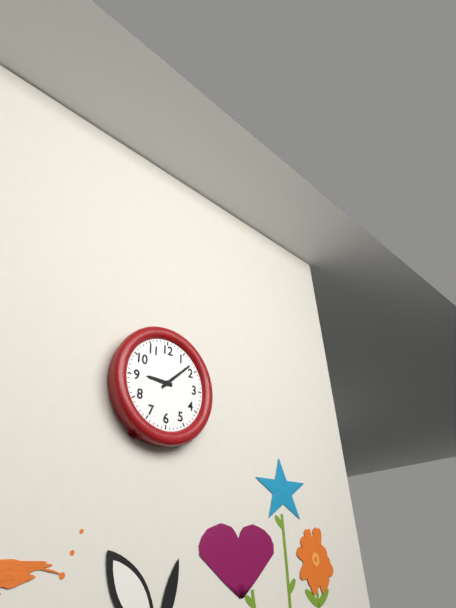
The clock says 9:08
